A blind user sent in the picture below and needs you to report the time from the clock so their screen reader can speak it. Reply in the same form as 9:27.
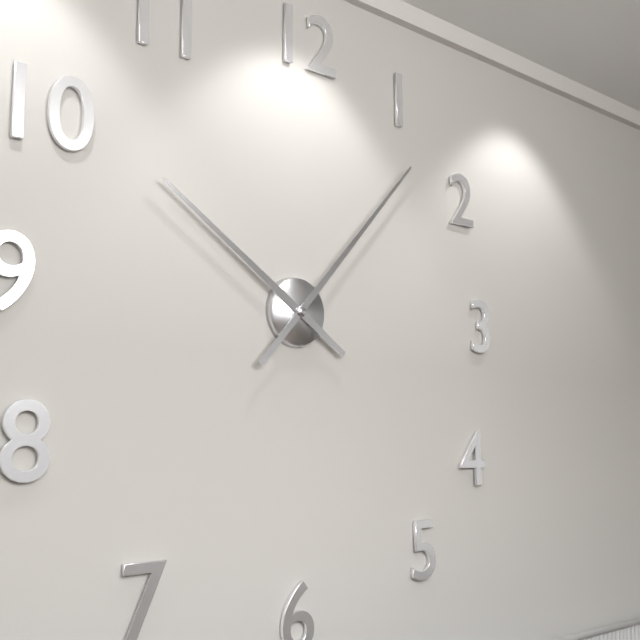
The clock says 10:07
